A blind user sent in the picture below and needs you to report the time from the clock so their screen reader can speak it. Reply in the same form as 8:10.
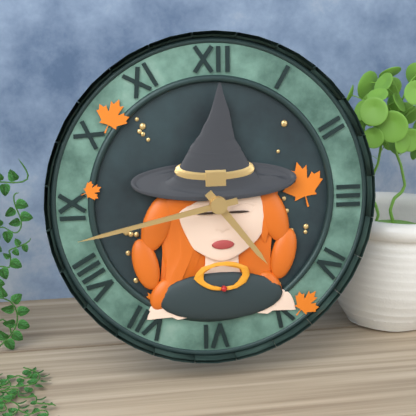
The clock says 4:43
